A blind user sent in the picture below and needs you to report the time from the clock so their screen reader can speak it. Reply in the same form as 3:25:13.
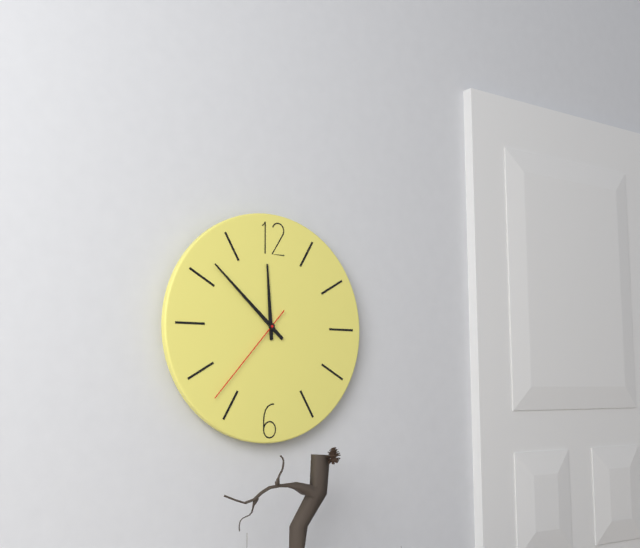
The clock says 11:52:37
